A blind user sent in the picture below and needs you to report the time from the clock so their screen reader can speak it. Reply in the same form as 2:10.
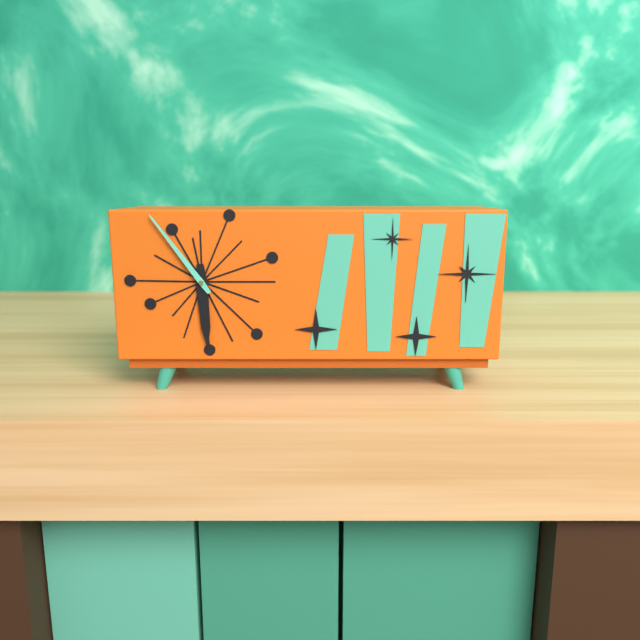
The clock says 5:54
